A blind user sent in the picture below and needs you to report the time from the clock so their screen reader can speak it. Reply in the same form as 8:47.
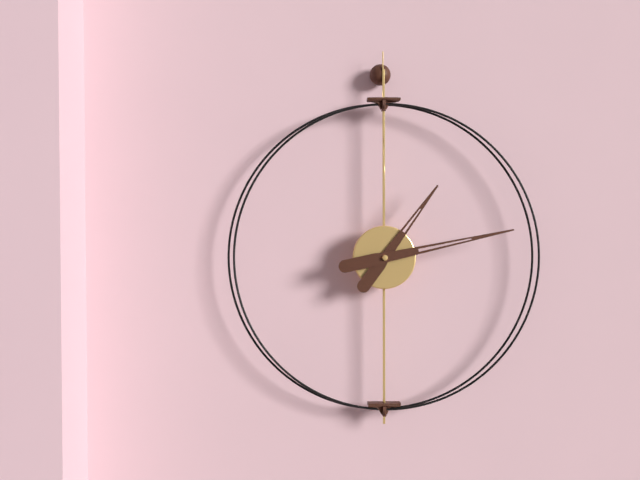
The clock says 1:13
